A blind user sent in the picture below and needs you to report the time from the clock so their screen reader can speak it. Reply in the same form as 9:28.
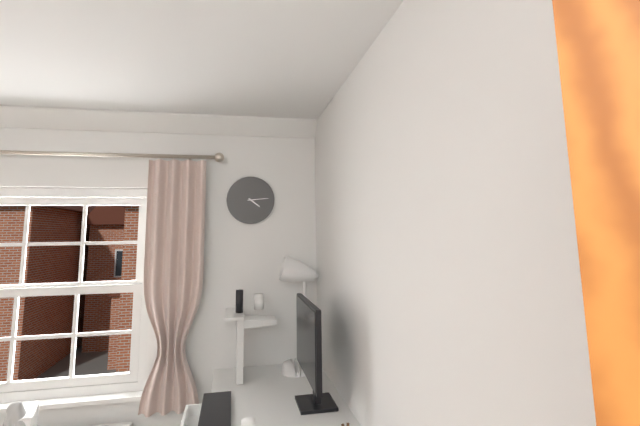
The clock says 4:14
